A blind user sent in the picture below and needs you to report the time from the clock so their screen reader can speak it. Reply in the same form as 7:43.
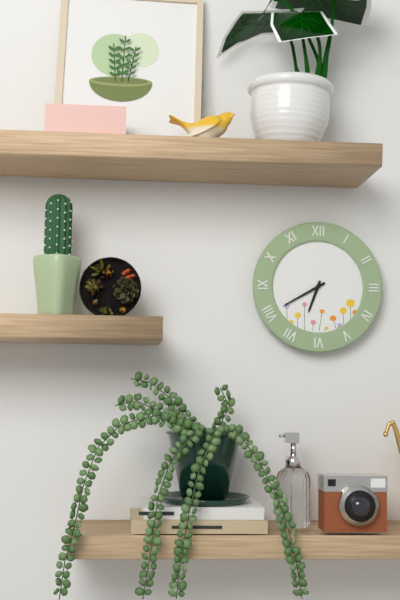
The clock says 6:40
